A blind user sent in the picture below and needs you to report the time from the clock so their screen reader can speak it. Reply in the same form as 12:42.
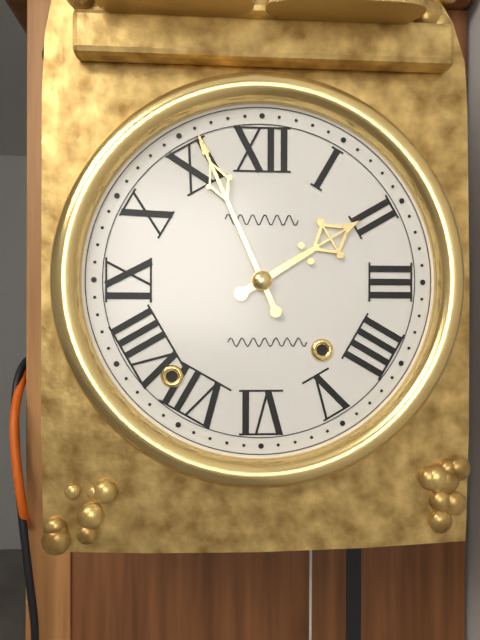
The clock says 1:56
